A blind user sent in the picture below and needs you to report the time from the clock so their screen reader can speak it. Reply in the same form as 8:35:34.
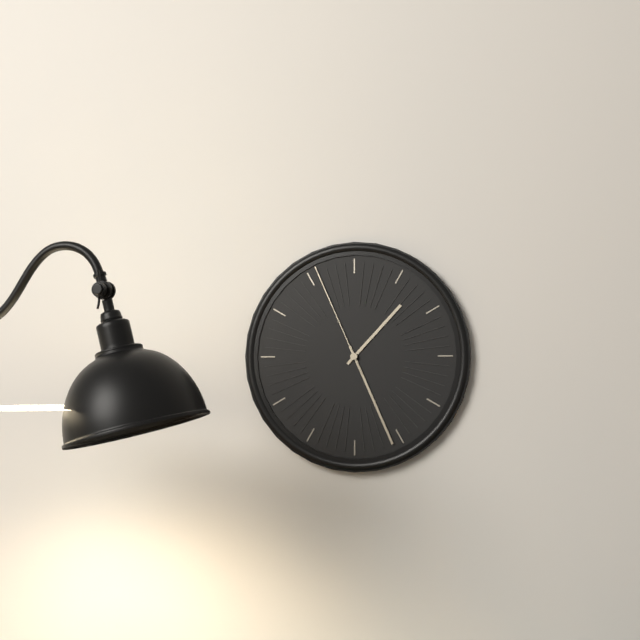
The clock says 1:26:56
